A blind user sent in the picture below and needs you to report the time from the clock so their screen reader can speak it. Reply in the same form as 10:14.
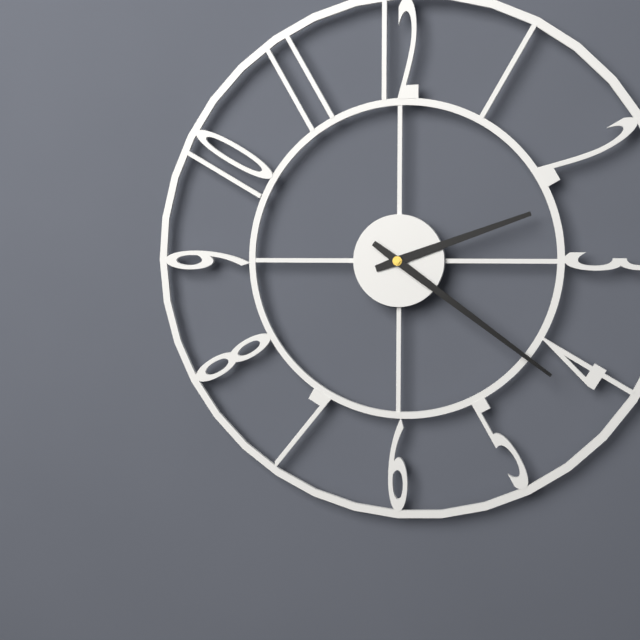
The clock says 2:21
